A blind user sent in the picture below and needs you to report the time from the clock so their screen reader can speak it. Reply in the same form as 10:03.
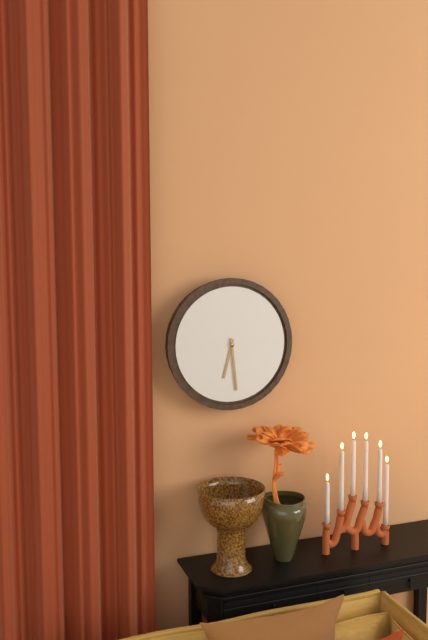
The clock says 6:29
